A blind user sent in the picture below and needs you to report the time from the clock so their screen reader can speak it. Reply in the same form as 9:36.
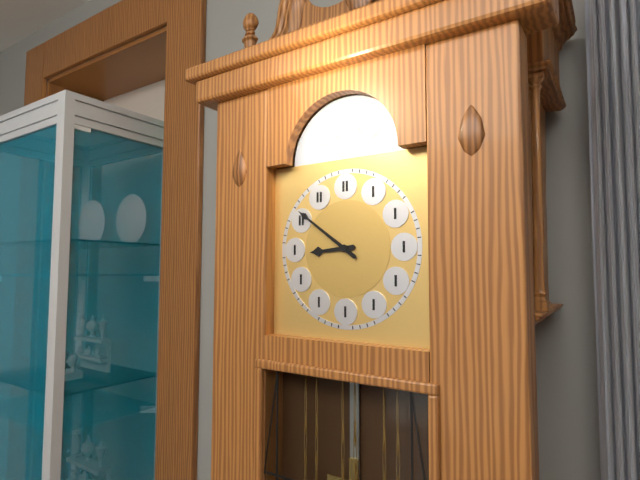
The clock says 8:51
